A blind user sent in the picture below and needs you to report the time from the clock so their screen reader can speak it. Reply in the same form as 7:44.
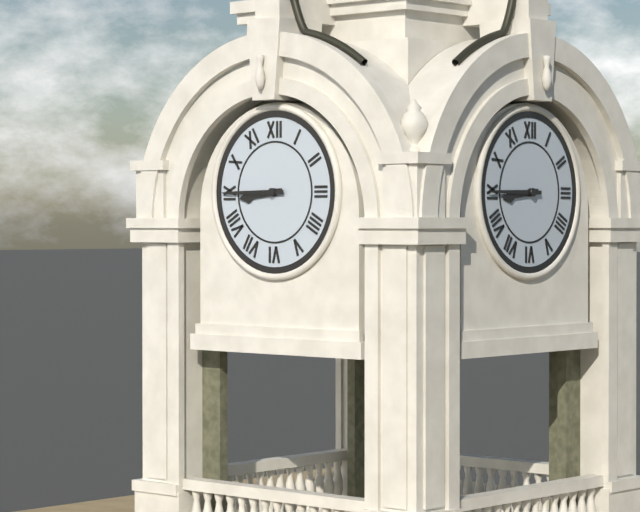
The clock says 8:45
